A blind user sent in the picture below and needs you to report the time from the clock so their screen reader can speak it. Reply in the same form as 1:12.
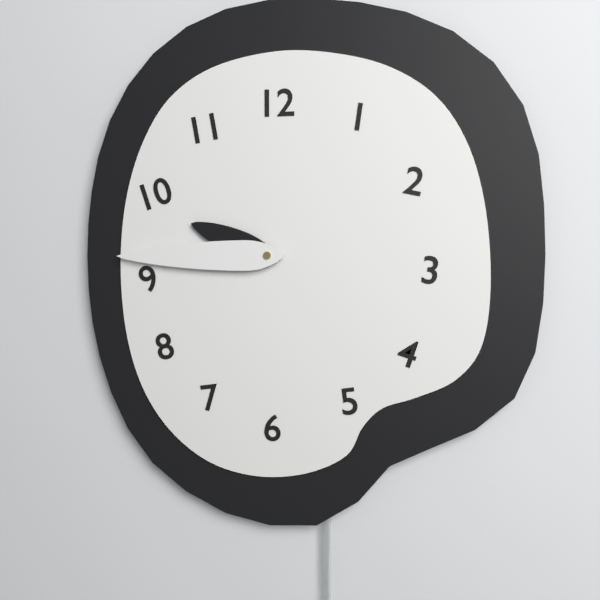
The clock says 9:45
